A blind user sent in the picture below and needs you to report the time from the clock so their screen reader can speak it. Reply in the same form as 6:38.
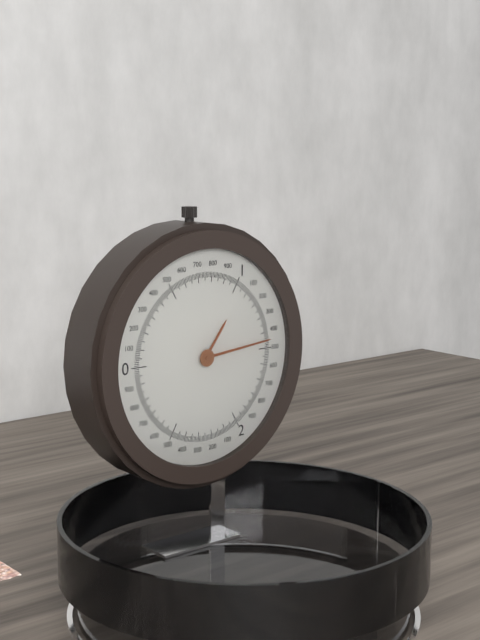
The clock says 1:14
